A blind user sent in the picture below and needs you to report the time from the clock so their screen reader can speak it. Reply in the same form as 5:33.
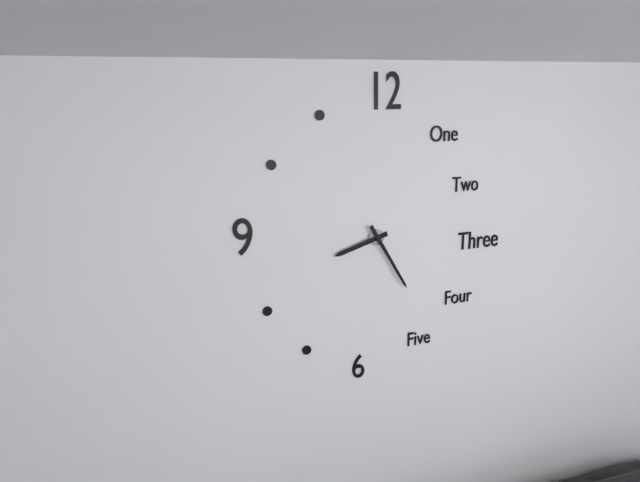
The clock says 8:25
